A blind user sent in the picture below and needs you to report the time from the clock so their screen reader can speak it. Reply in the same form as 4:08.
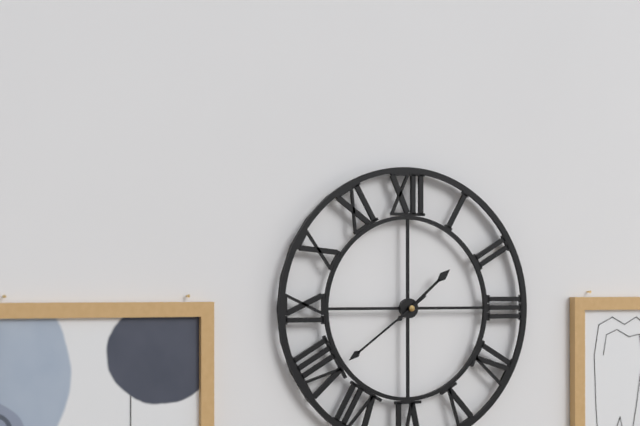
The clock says 1:39
